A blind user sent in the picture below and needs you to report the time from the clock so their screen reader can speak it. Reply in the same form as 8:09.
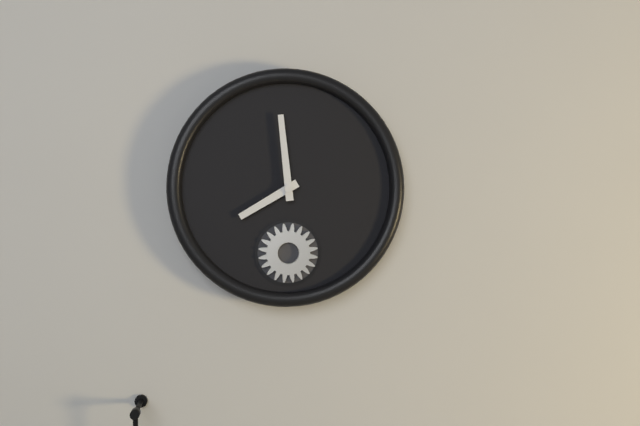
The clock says 7:59
